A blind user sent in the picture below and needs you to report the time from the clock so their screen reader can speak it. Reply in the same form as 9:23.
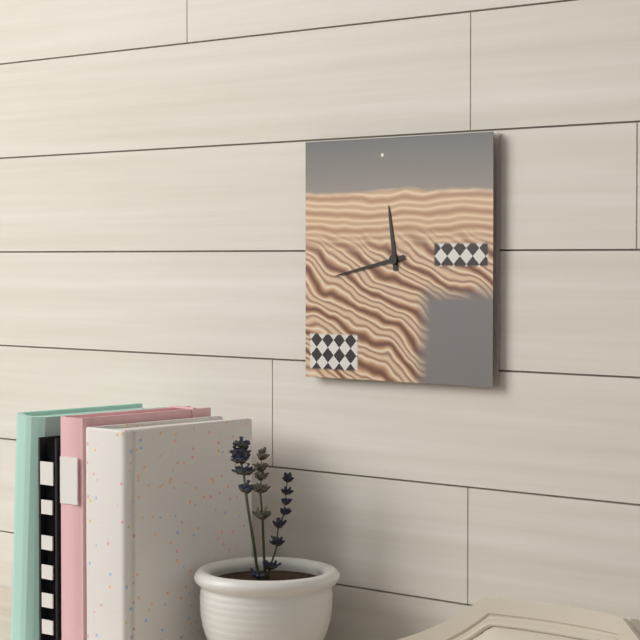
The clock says 11:43
